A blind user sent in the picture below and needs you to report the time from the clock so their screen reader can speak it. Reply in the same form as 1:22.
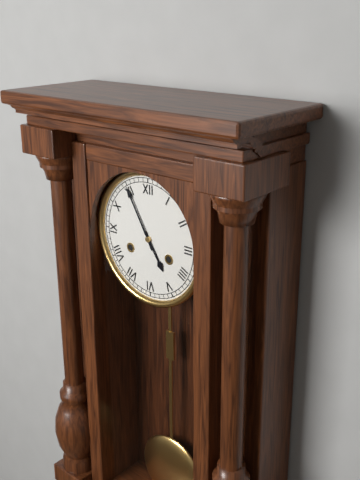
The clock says 4:55
